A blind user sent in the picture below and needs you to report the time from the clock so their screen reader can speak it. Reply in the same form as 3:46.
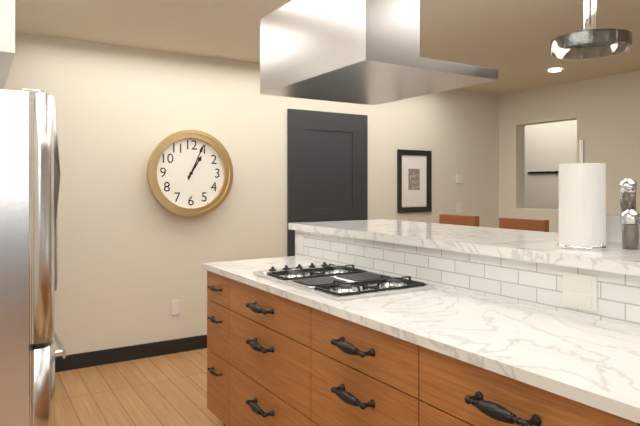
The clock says 1:04
